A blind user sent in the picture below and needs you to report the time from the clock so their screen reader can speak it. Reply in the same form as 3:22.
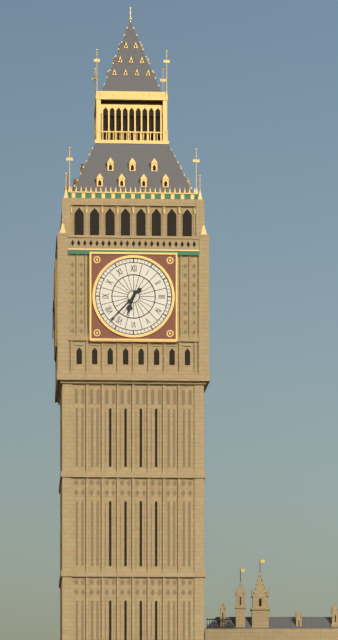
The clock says 6:37
